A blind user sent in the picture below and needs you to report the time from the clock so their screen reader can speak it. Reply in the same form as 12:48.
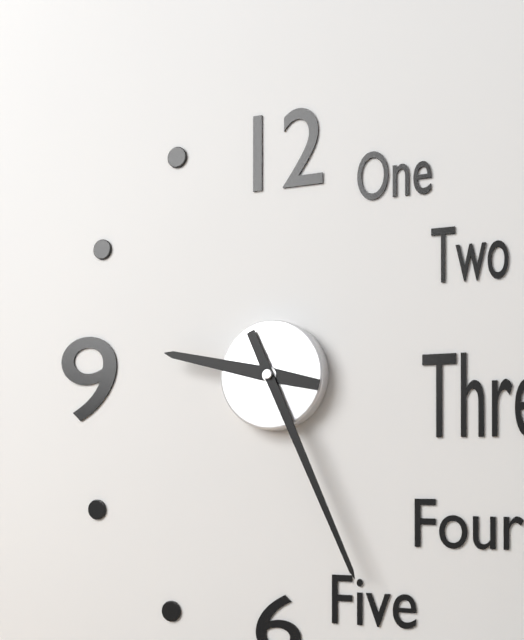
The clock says 9:26
